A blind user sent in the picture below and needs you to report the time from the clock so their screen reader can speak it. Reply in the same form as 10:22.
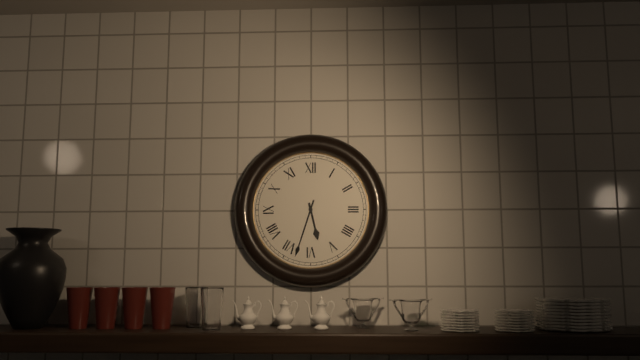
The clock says 5:33
